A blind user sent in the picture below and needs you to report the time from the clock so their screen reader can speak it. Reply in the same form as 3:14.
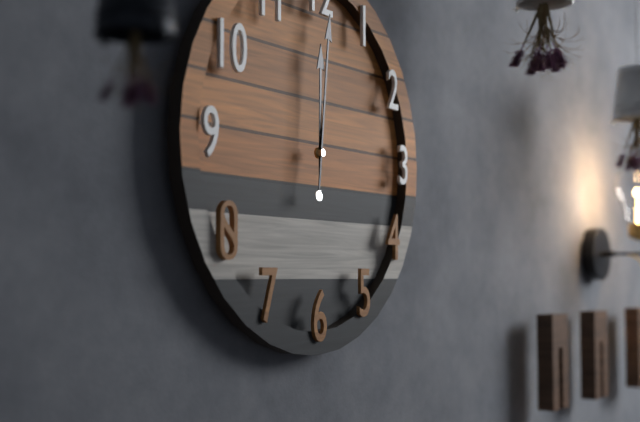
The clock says 12:01
